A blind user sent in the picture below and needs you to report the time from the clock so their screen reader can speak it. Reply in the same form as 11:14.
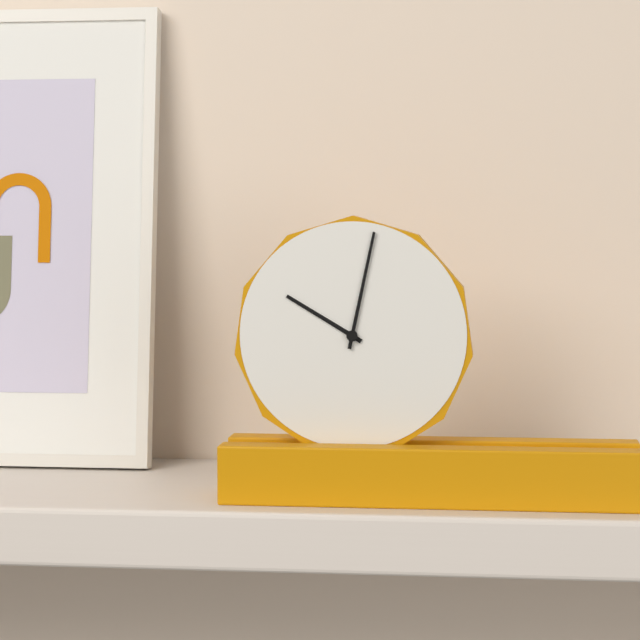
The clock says 10:02
